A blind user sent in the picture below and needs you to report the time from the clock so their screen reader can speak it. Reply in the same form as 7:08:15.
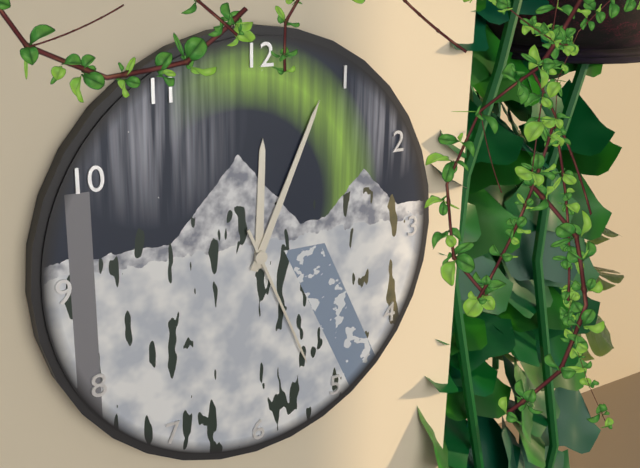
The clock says 12:04:26
